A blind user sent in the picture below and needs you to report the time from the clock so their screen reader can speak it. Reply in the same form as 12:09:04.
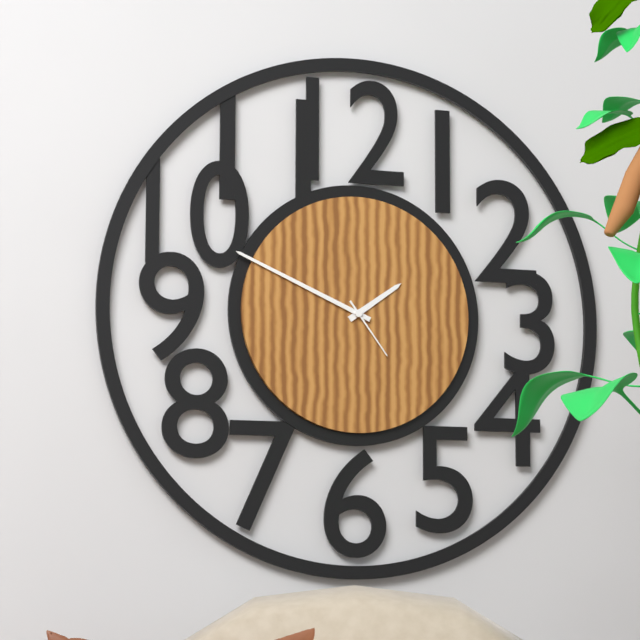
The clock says 1:49:24
